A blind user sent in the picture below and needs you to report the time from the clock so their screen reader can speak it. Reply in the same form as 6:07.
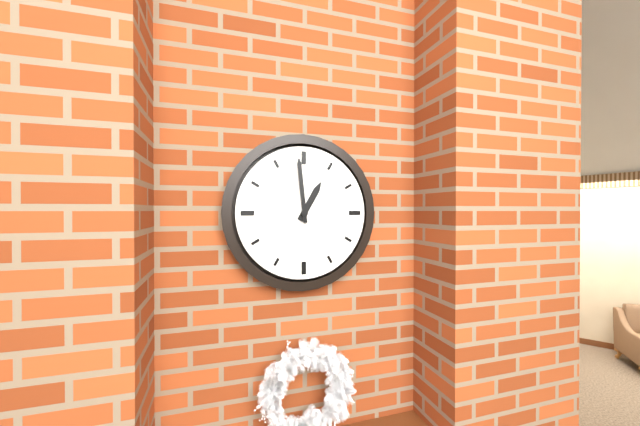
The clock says 12:59
